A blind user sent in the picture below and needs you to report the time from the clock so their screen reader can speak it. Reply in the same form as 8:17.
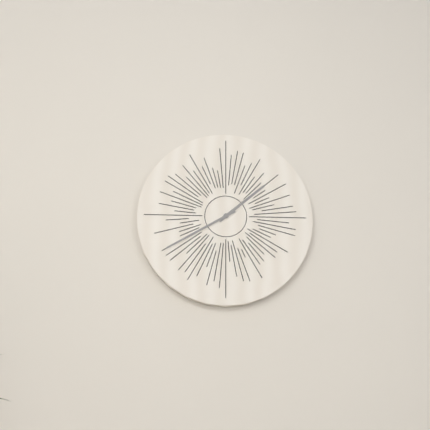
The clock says 1:40
